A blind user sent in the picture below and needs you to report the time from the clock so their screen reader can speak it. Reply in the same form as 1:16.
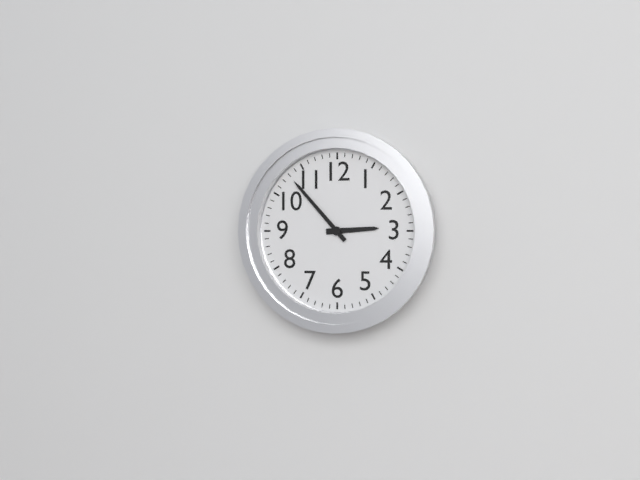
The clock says 2:53
